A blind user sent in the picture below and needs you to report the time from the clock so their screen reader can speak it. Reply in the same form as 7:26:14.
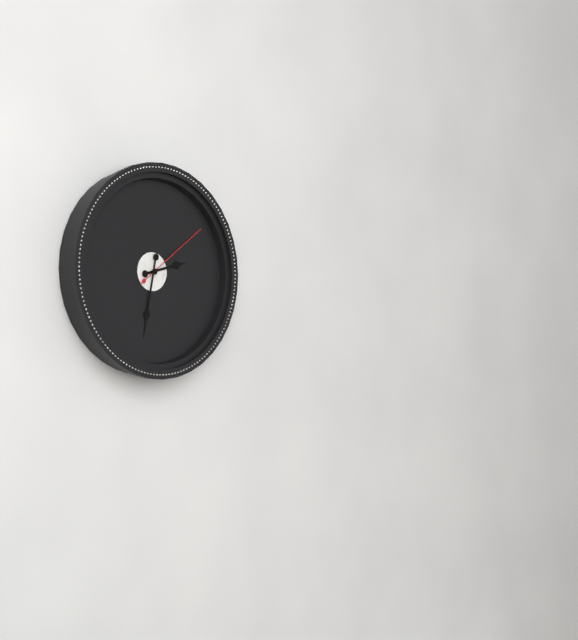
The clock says 2:32:09
